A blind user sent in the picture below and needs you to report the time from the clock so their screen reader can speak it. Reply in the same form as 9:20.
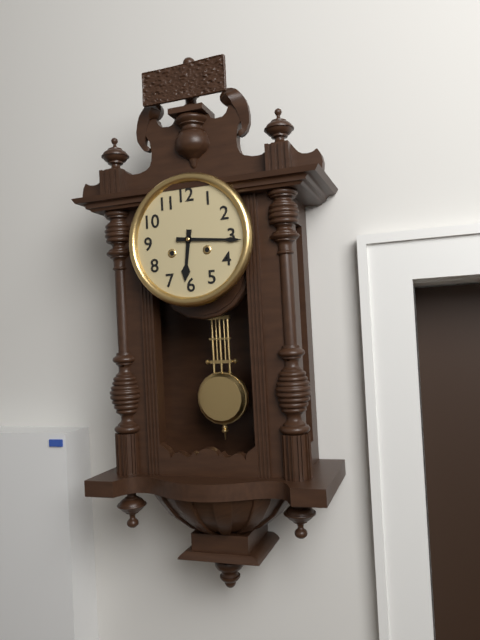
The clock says 6:16
